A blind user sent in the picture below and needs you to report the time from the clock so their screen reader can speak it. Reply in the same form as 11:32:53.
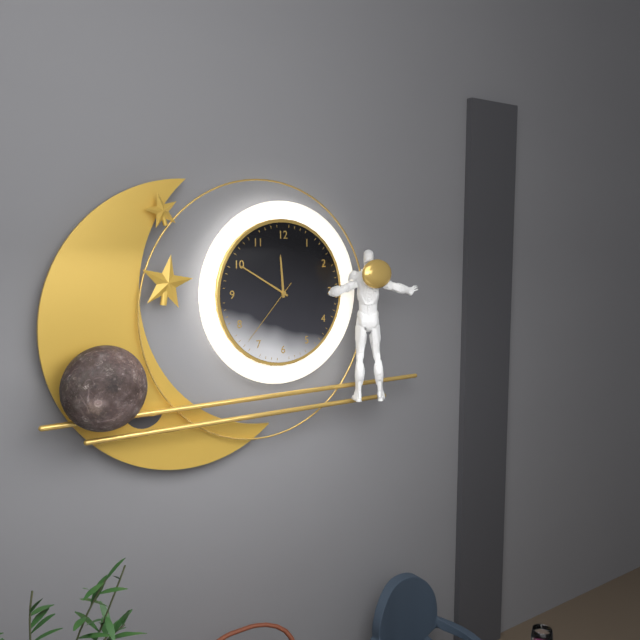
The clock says 11:50:37
